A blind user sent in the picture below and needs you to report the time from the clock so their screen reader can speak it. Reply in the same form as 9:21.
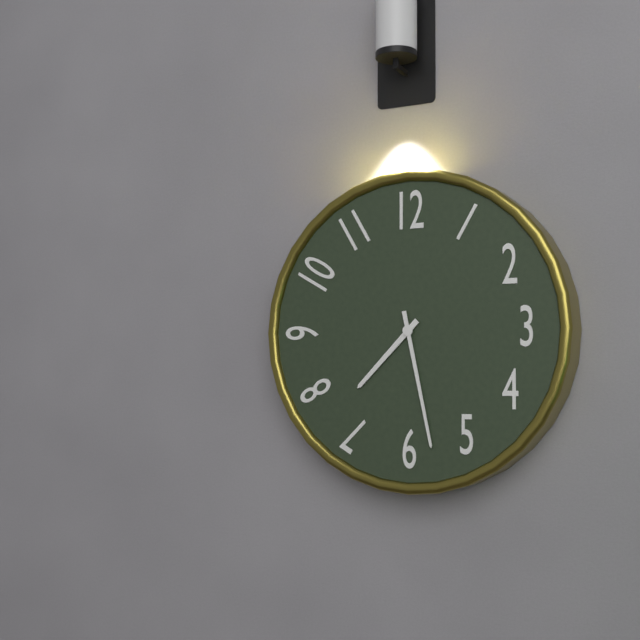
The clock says 7:28
